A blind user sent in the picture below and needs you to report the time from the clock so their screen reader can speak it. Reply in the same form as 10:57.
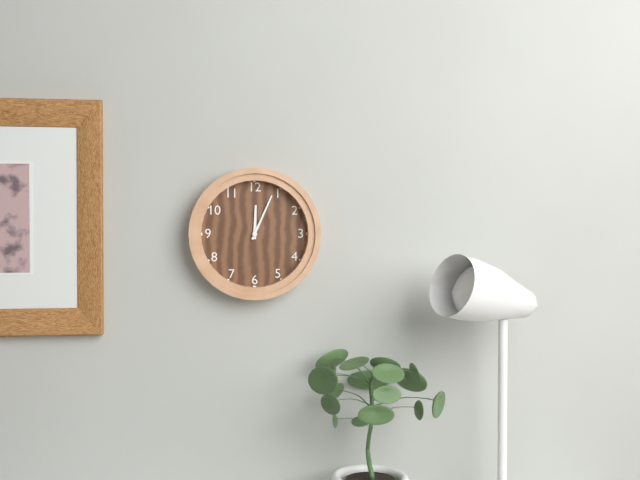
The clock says 12:04
